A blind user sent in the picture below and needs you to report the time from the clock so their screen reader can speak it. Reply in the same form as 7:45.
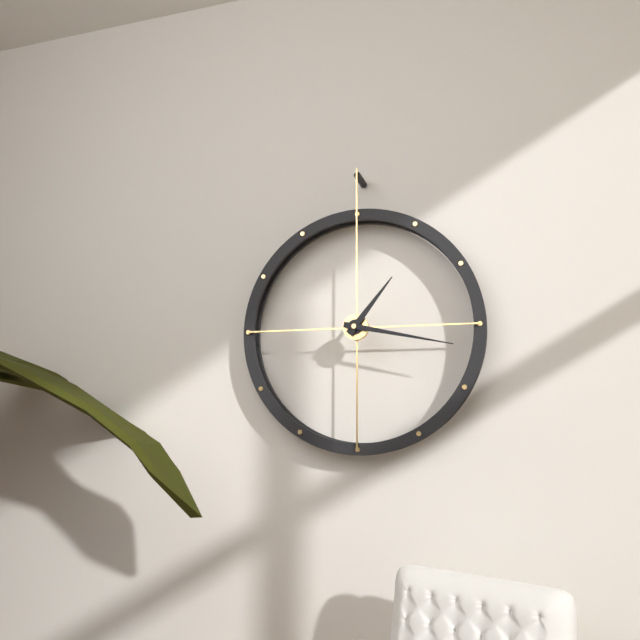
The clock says 1:17
